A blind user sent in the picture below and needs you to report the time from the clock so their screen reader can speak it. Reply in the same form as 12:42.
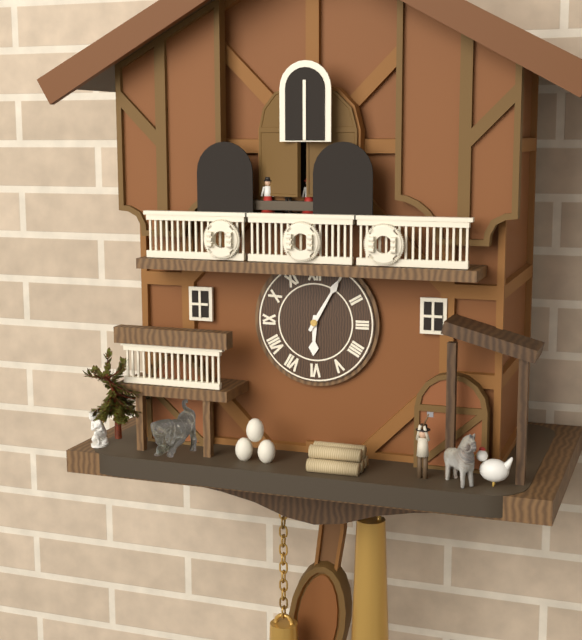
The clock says 6:05
